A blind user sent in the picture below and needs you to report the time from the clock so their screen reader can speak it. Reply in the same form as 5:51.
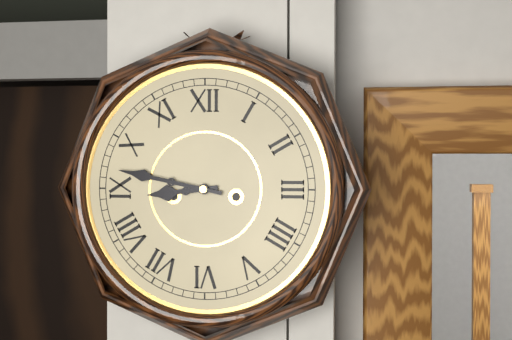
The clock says 8:47
